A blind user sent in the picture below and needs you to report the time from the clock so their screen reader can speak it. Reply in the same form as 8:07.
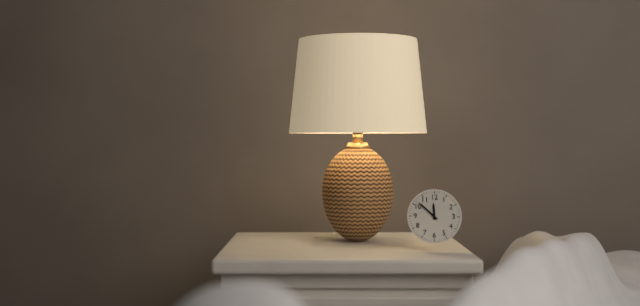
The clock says 11:52
